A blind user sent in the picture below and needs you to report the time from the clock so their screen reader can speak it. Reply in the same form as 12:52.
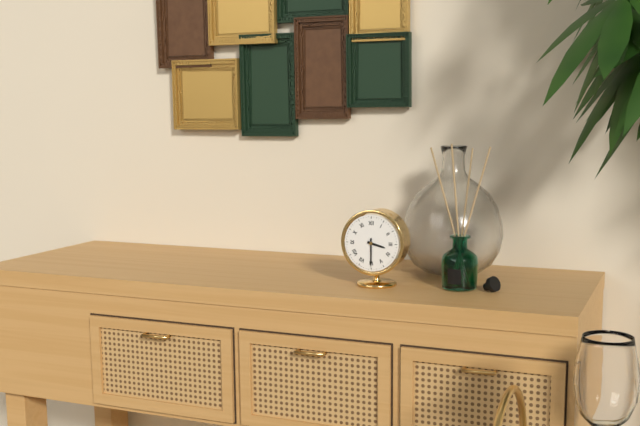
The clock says 3:30
